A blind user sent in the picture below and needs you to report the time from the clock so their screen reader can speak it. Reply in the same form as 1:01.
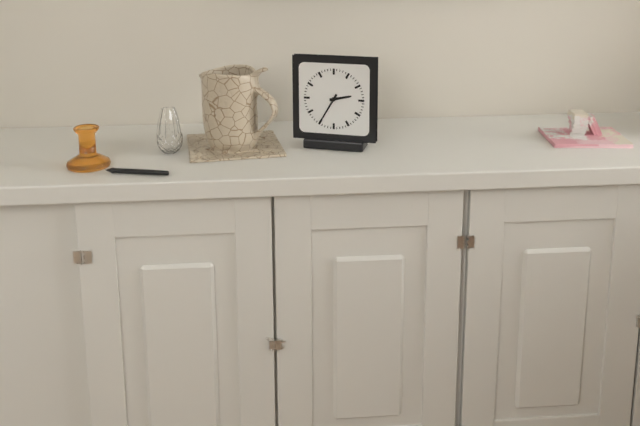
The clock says 2:35
